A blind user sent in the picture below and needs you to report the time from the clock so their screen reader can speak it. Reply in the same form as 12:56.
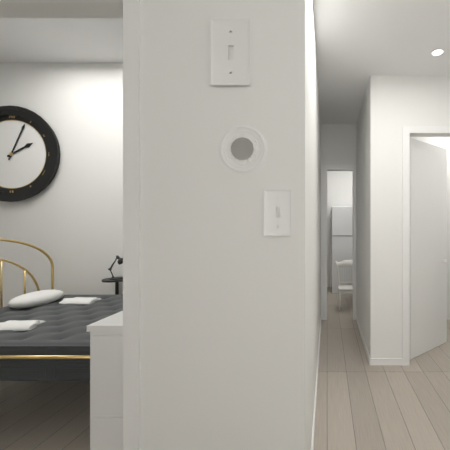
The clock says 2:04
